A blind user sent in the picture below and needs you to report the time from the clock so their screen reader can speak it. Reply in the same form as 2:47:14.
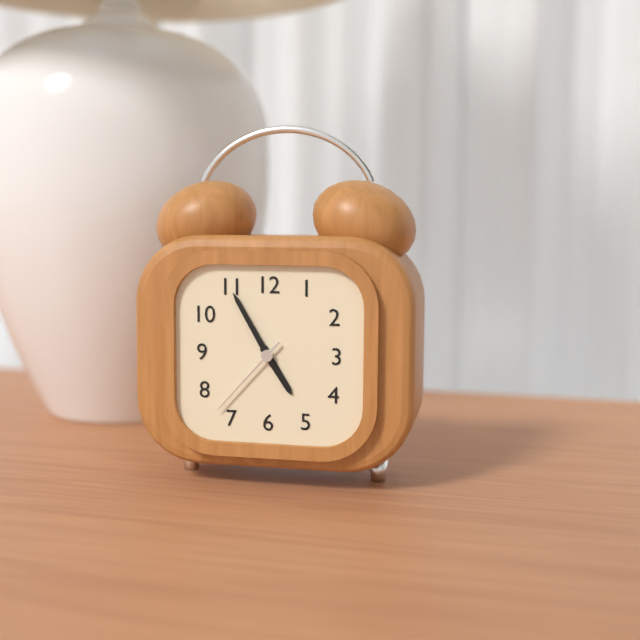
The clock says 4:55:37
